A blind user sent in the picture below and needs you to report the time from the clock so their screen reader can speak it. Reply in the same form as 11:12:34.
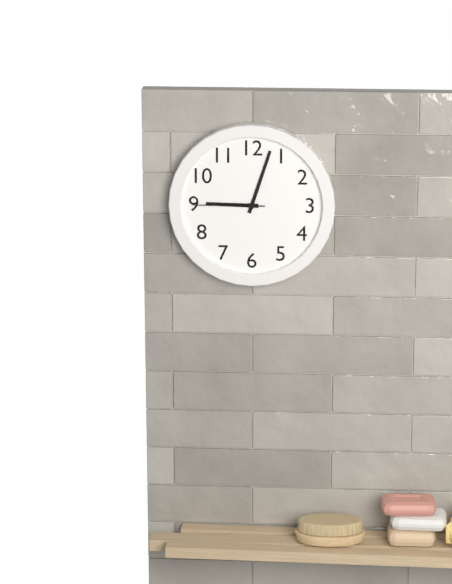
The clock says 9:03:45
